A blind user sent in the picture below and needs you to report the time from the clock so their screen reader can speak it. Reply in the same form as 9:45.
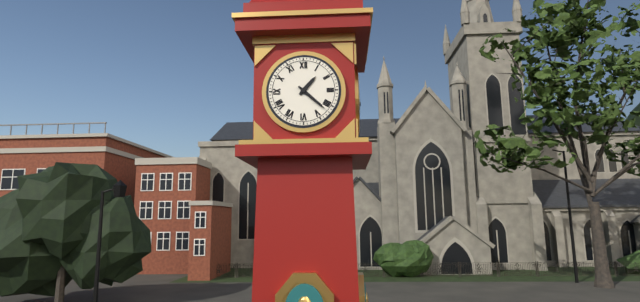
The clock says 1:22
